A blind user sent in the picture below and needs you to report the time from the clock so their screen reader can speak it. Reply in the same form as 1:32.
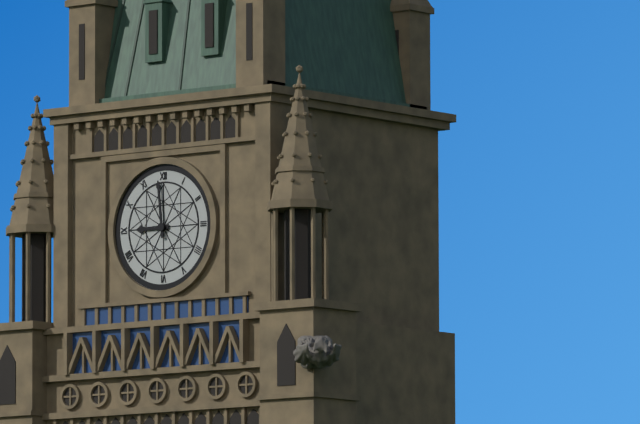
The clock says 8:59
